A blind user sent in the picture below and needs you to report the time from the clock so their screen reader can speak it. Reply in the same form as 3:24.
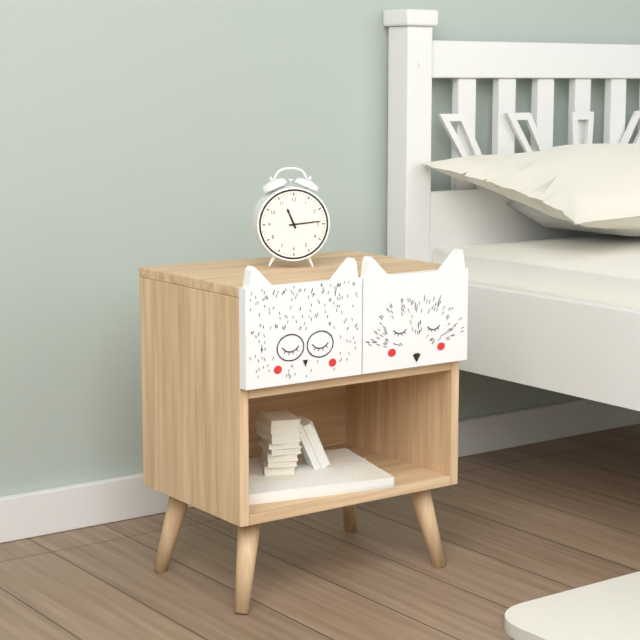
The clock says 11:14
